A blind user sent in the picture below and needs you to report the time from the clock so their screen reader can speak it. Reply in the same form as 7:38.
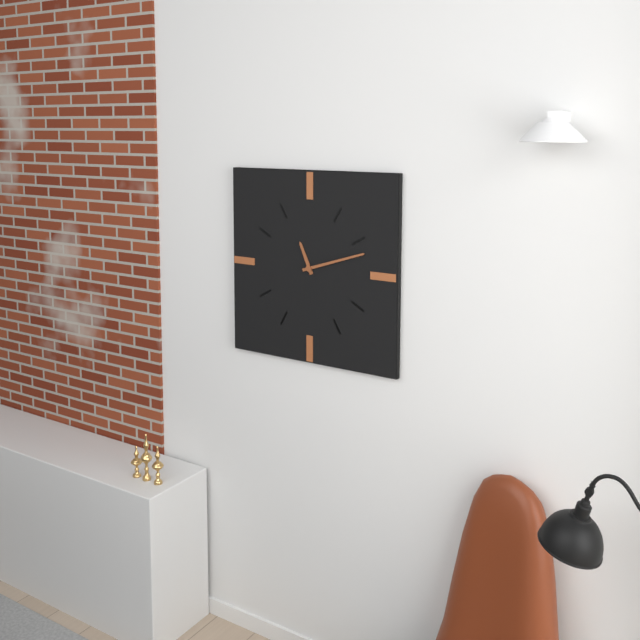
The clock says 11:12
